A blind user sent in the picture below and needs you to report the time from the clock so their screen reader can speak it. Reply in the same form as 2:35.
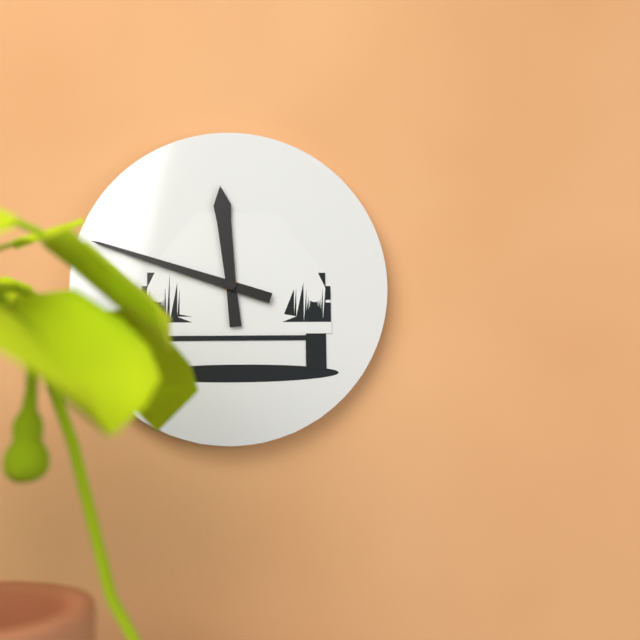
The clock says 11:48
